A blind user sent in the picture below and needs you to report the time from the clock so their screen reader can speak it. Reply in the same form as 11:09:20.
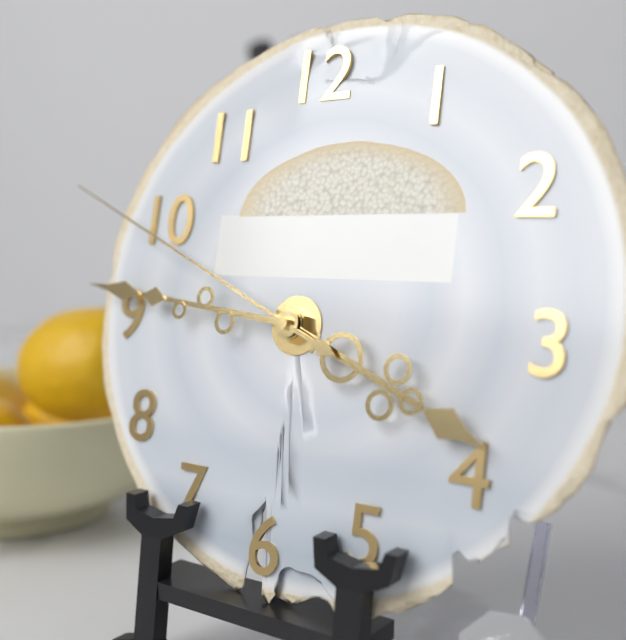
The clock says 3:46:49
